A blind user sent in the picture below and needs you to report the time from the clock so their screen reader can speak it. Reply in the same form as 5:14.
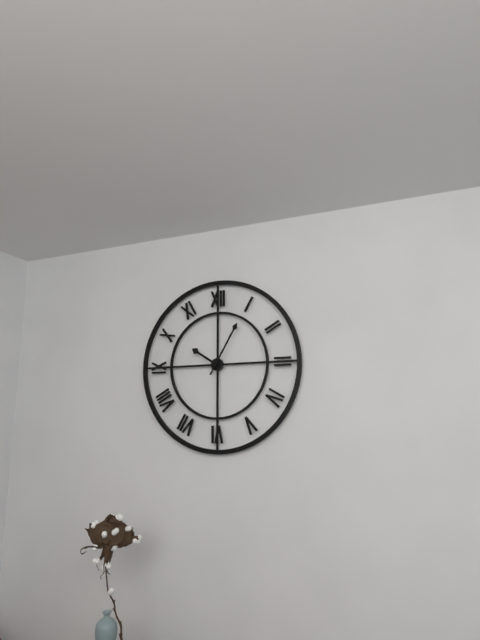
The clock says 10:05
